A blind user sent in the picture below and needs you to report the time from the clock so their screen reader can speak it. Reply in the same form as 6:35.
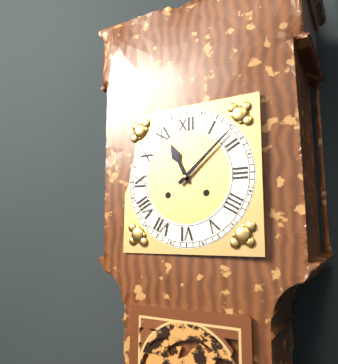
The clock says 11:08
